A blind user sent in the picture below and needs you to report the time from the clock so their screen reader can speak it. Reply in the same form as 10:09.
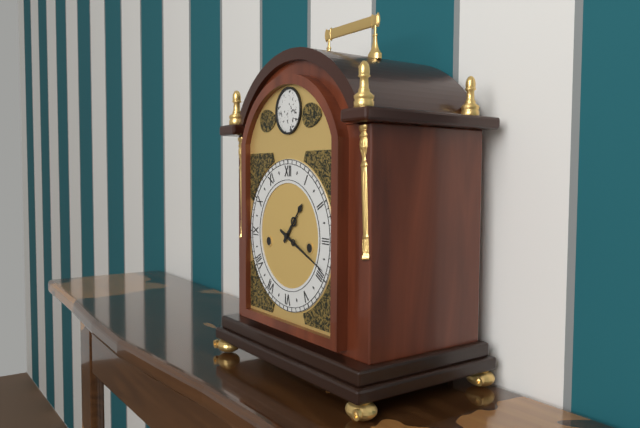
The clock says 1:19
